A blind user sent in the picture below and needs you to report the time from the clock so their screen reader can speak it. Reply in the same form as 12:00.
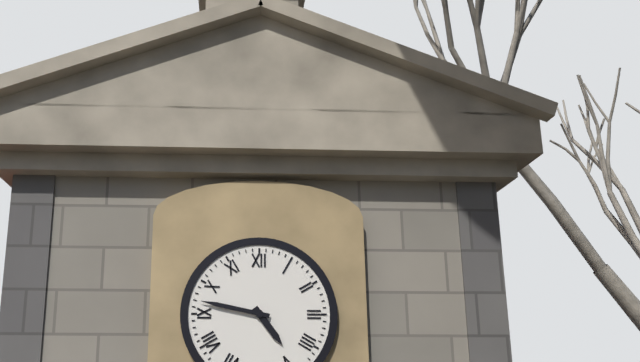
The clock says 4:47
